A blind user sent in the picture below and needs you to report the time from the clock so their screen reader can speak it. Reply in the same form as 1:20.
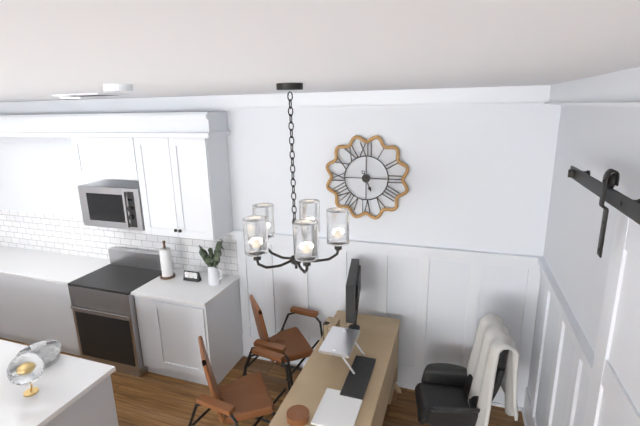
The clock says 5:15
